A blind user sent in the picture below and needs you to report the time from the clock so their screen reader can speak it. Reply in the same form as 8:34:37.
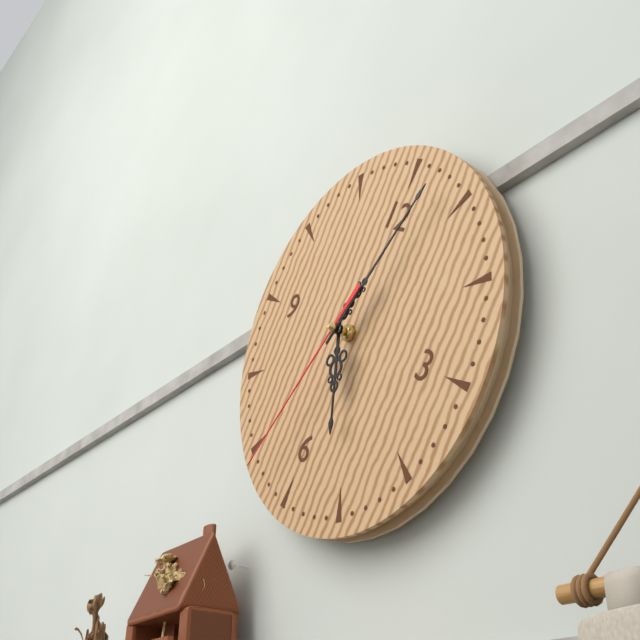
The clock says 5:03:33
